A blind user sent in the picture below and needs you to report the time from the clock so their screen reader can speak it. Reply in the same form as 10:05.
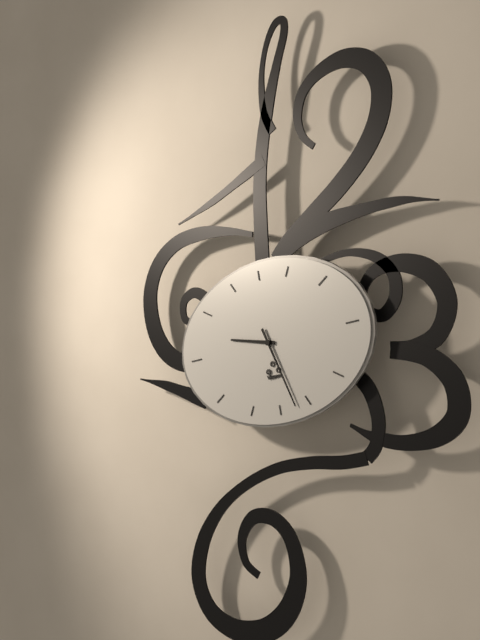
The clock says 9:27
